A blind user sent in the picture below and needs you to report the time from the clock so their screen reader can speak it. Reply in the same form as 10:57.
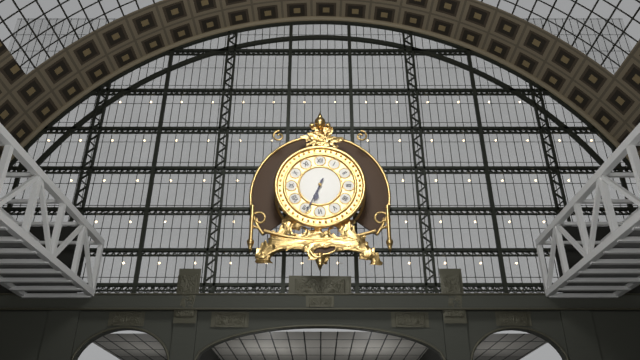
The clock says 6:34
